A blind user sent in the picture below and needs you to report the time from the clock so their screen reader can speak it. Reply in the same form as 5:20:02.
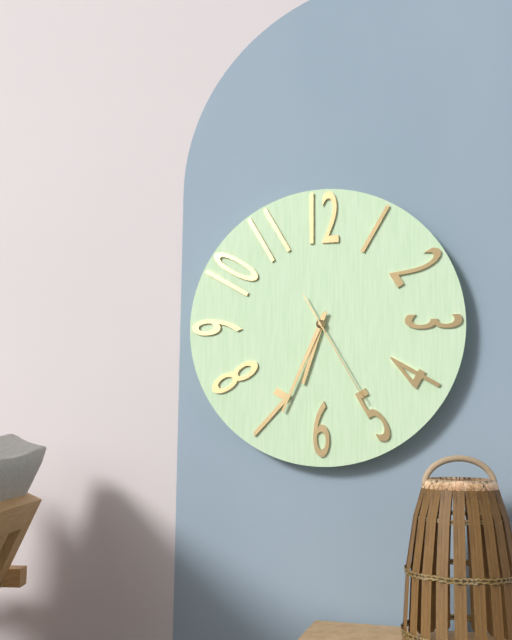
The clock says 6:34:25
